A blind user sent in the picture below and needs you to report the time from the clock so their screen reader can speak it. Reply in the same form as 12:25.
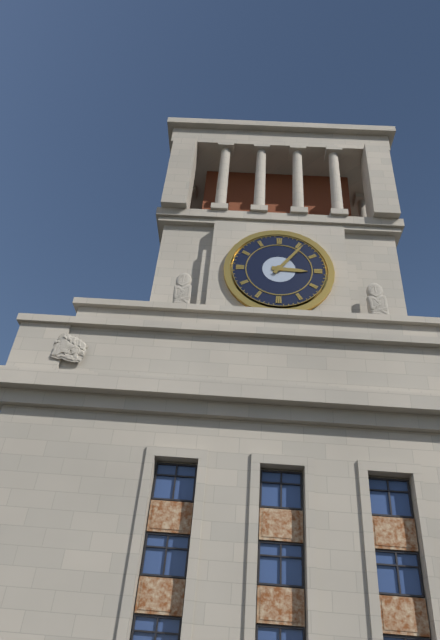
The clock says 3:06
